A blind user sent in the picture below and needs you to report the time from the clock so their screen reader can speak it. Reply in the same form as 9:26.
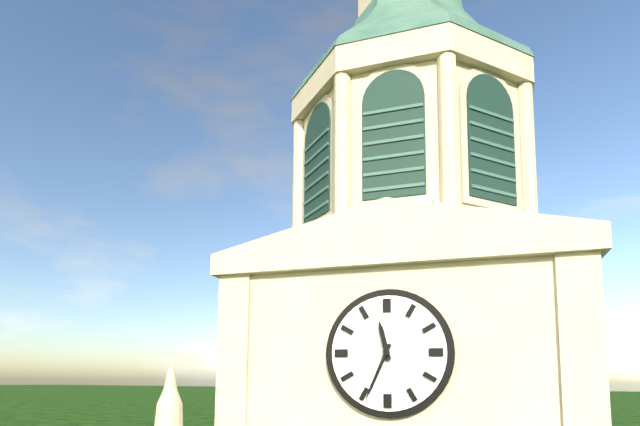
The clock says 11:34
